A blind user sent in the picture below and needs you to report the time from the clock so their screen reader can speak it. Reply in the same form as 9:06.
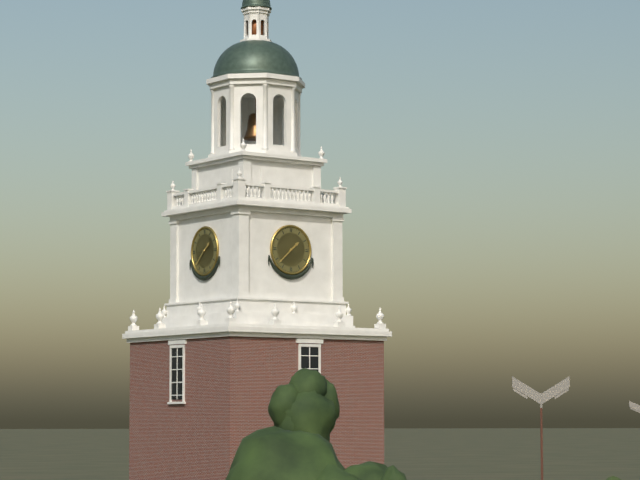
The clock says 1:38
